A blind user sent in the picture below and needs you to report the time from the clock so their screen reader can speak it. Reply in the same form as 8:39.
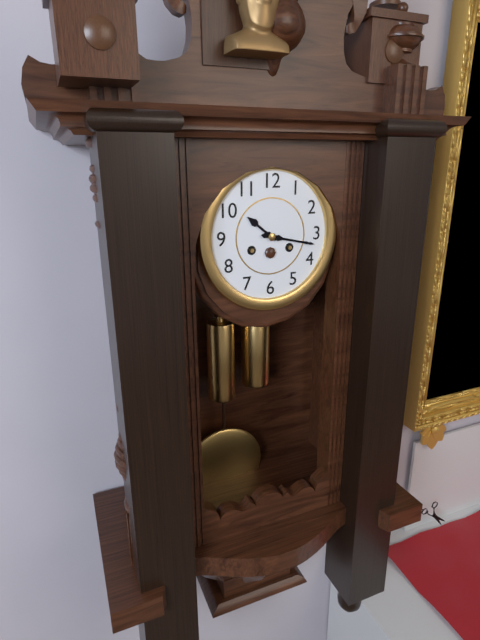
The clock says 10:17
